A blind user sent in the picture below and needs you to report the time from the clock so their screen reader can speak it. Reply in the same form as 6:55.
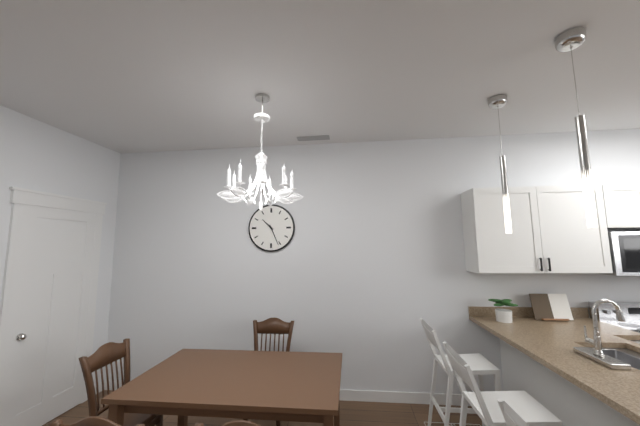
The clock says 10:26
